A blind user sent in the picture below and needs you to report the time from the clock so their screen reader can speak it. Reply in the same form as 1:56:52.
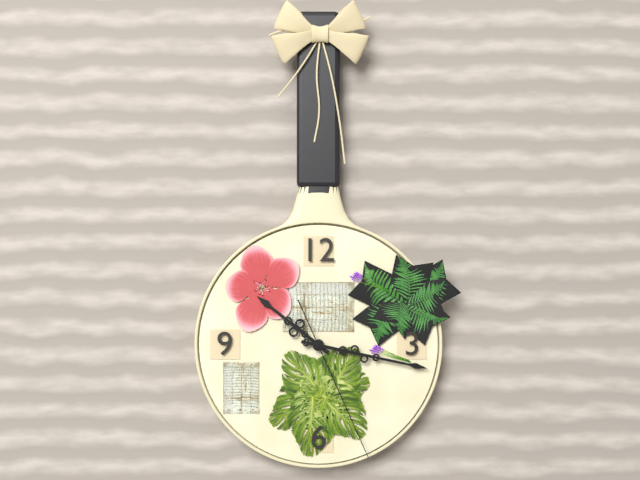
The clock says 10:17:26
